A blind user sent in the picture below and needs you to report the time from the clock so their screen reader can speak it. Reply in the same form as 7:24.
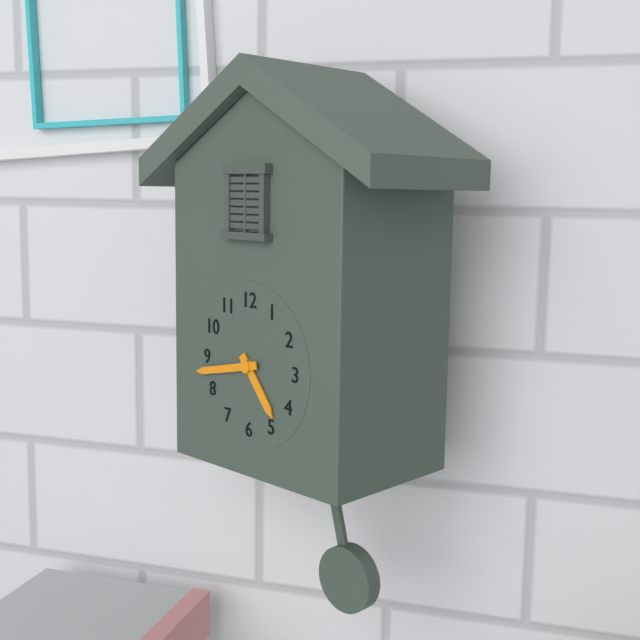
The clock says 4:43
